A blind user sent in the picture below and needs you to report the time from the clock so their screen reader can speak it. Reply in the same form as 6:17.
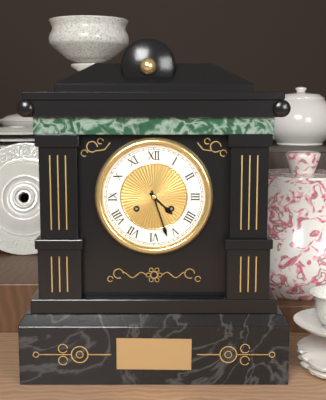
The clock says 4:27
